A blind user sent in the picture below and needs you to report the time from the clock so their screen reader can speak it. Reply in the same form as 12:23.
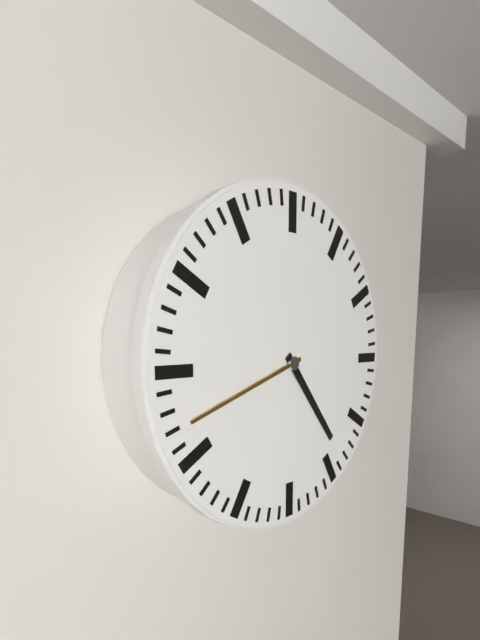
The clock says 4:42
